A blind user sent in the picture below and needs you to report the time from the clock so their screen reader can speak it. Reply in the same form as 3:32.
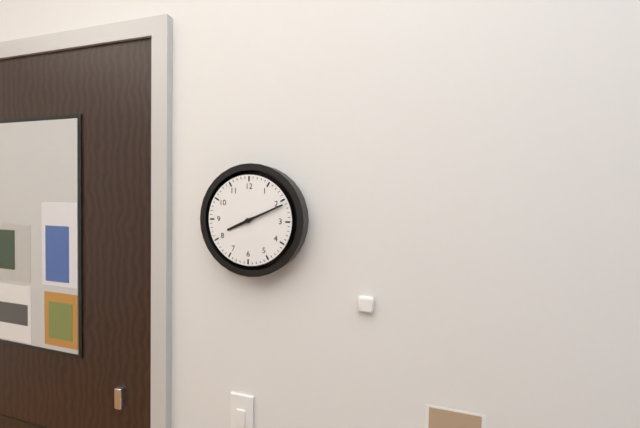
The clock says 8:11
